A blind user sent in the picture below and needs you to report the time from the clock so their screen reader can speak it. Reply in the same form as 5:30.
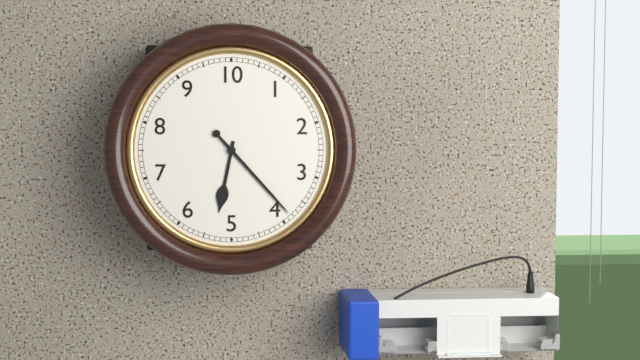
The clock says 6:23
